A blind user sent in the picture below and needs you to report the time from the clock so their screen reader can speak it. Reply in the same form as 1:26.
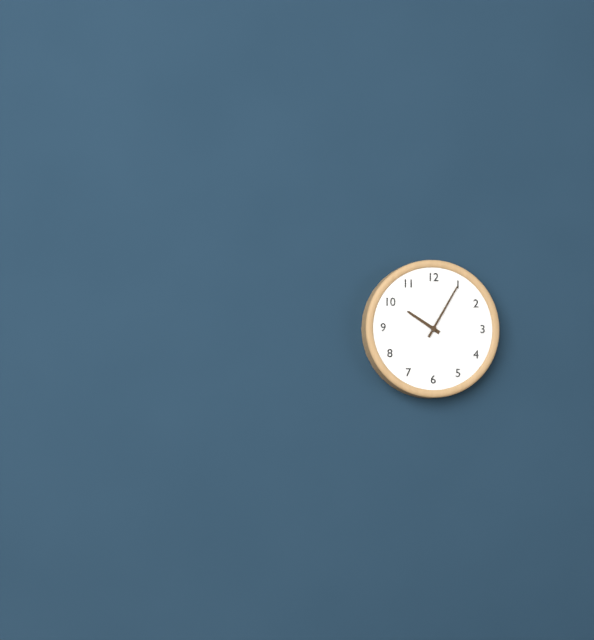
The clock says 10:05
